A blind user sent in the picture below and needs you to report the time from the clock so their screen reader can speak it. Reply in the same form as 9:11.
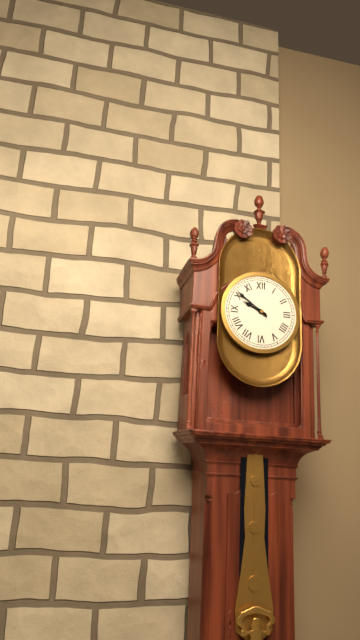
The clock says 9:51
